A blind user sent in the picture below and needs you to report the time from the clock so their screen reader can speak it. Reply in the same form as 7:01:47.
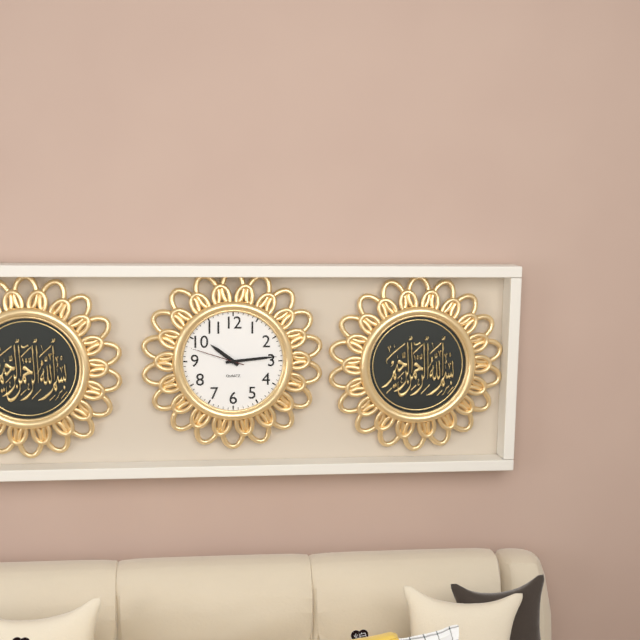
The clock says 10:14:48
